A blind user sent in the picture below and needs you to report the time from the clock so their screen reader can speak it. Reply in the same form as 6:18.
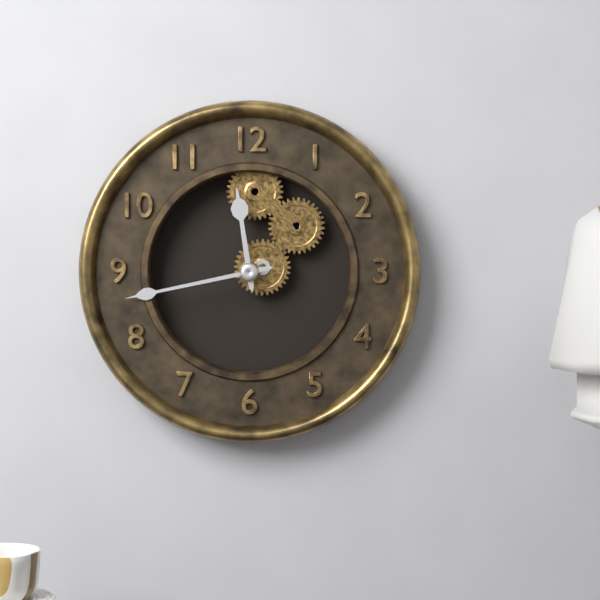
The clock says 11:43
